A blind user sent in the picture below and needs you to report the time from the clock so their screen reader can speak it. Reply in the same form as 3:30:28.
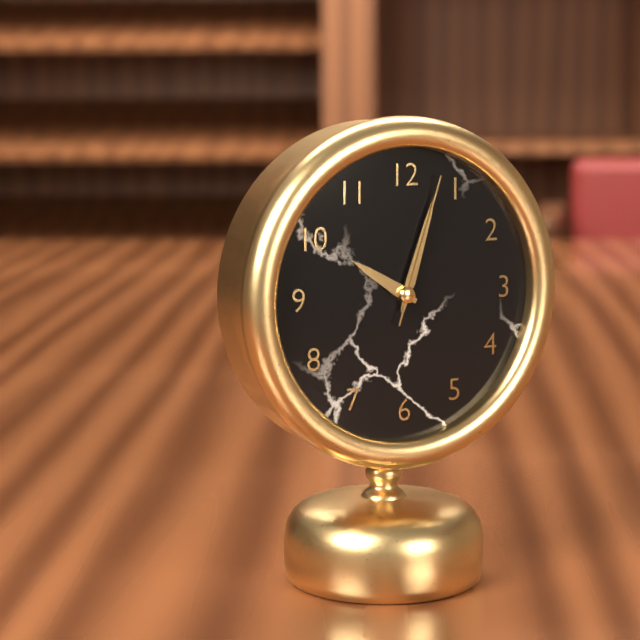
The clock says 10:03:03
